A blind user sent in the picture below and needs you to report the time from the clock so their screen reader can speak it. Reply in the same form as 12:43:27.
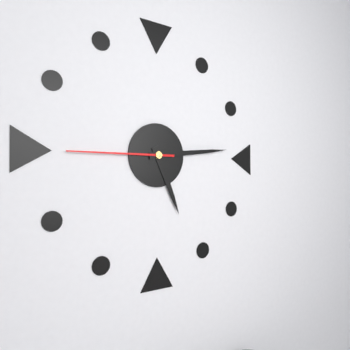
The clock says 5:14:45
